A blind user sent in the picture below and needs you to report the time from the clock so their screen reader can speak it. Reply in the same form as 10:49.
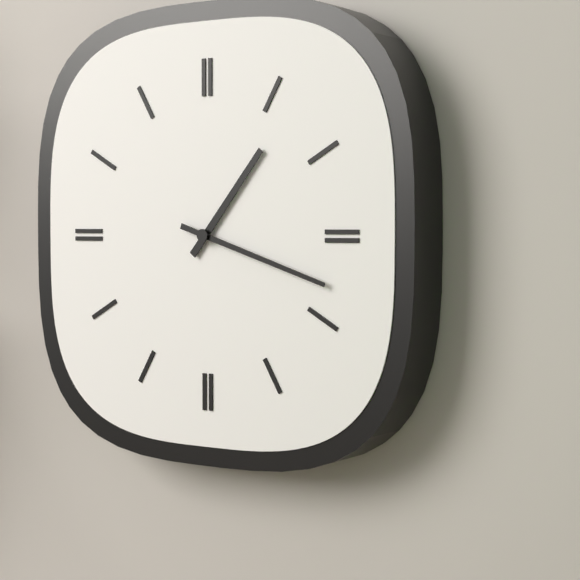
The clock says 1:18
